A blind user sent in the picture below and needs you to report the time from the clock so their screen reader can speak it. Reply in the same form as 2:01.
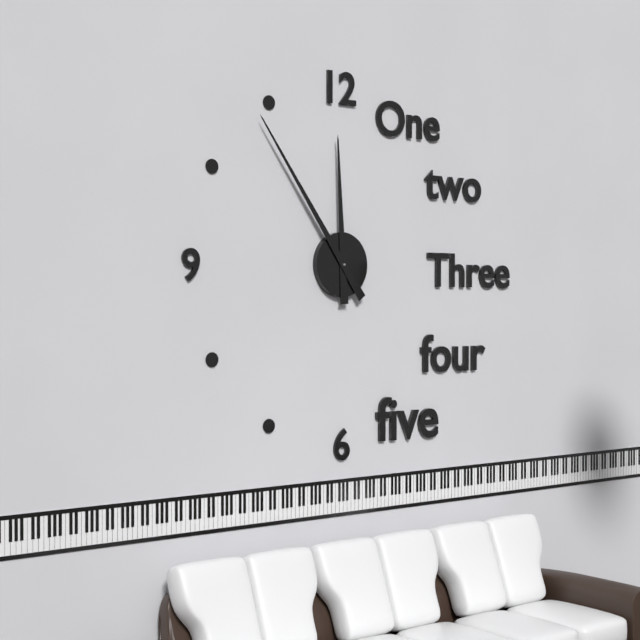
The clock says 11:54
